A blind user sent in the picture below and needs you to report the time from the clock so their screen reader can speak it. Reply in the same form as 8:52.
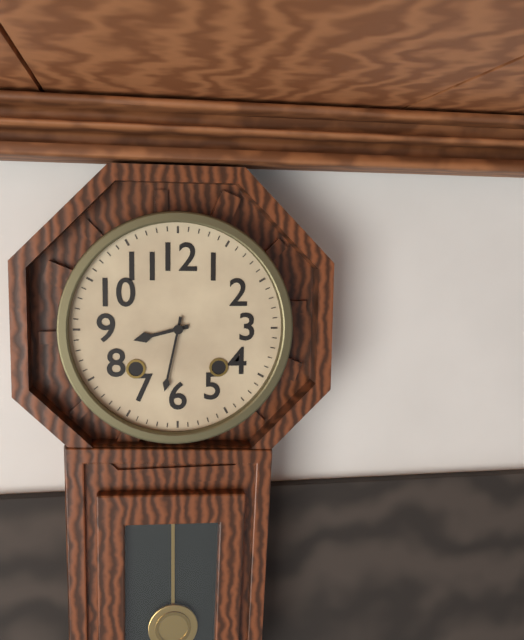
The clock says 8:32
